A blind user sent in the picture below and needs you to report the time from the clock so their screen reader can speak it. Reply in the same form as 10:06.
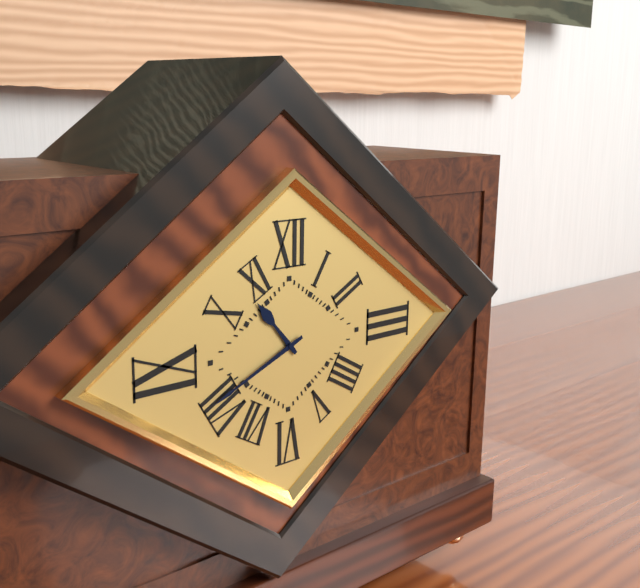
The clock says 10:41
